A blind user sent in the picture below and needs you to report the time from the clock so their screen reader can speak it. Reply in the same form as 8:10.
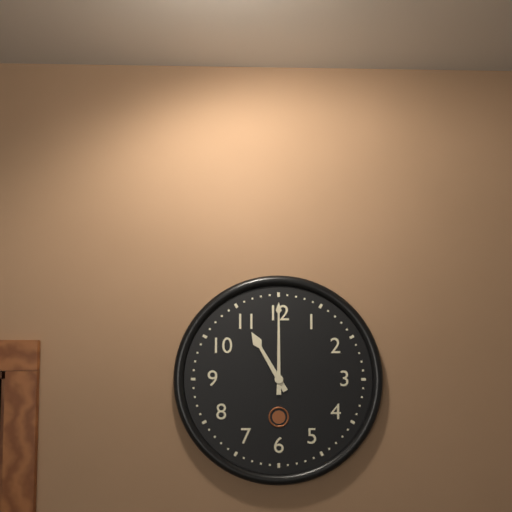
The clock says 11:00
